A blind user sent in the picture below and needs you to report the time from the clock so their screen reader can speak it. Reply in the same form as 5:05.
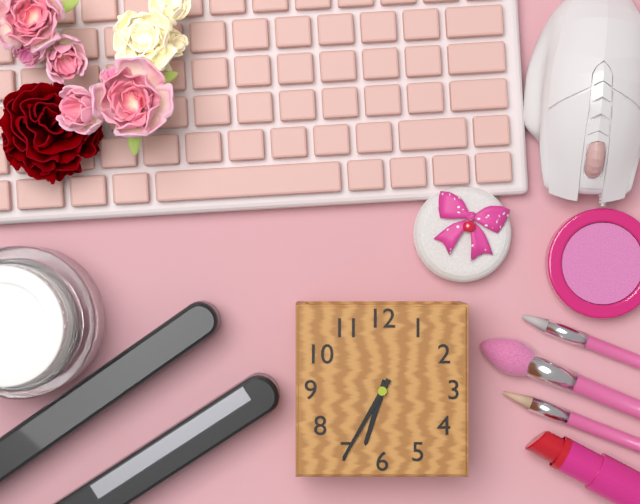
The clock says 6:35
